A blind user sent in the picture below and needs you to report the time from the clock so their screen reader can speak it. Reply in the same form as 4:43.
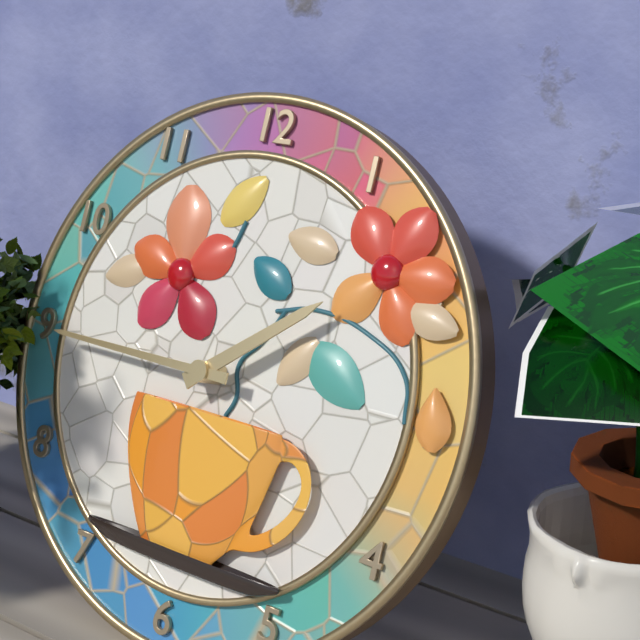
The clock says 1:45
